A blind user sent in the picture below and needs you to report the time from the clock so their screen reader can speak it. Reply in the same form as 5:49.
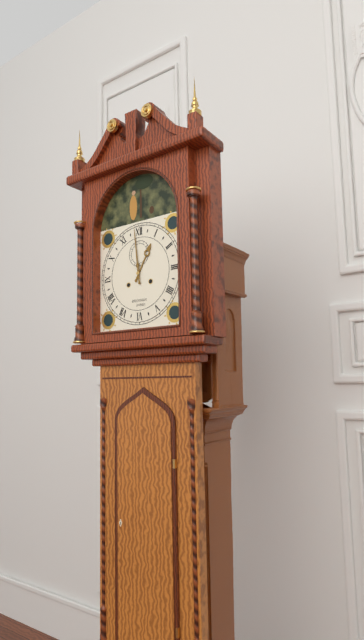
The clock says 12:59
